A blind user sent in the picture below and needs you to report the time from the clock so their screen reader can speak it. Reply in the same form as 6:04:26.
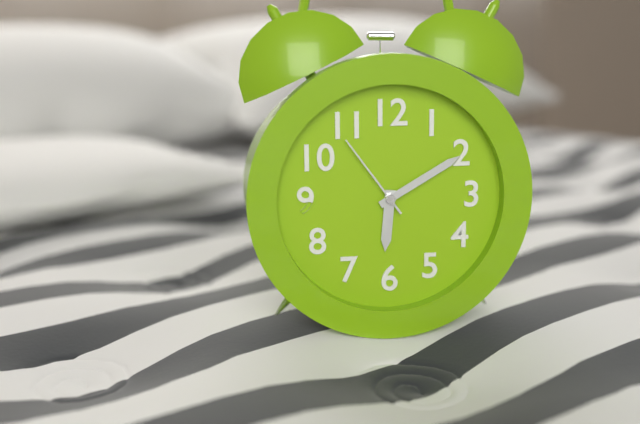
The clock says 6:10:54
